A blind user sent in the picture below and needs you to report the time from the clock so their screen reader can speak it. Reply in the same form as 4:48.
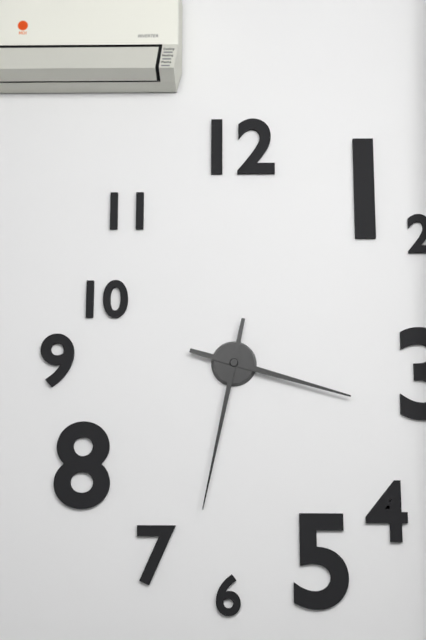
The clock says 3:32
